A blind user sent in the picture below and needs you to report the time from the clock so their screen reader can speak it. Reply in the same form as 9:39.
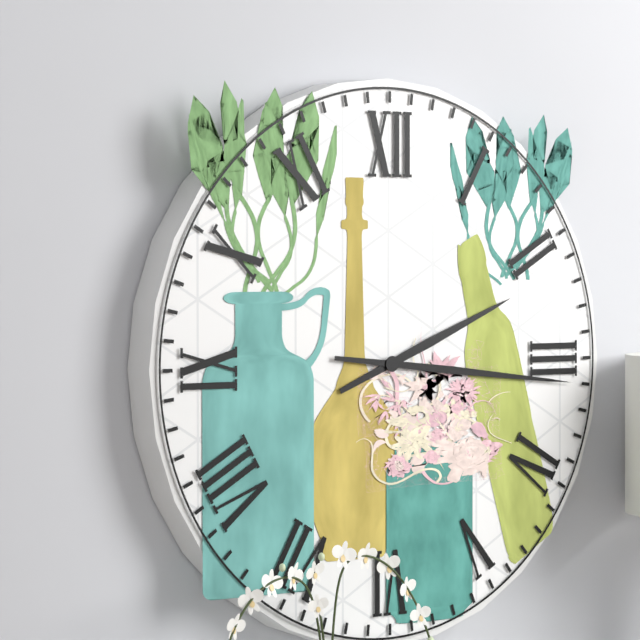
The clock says 2:16
